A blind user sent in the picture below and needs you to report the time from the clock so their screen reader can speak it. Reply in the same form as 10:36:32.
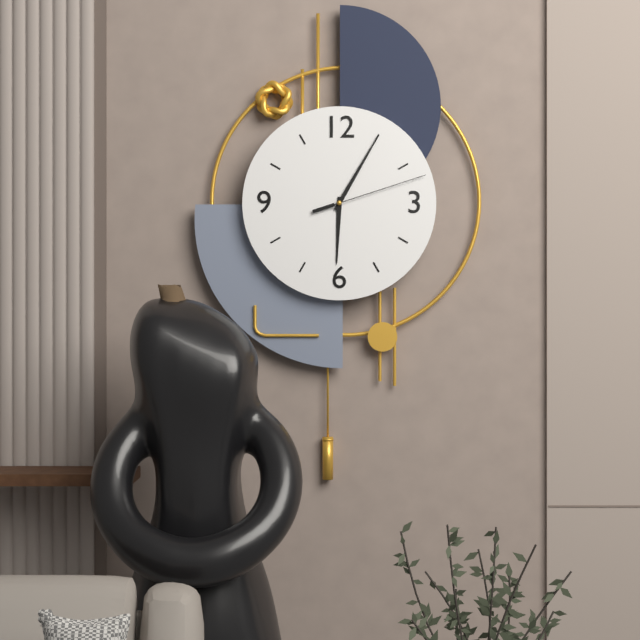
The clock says 6:05:12
